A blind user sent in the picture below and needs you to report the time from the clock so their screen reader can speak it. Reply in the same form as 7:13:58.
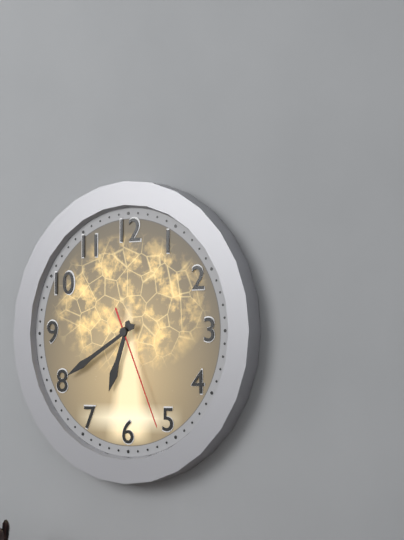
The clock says 6:40:26
